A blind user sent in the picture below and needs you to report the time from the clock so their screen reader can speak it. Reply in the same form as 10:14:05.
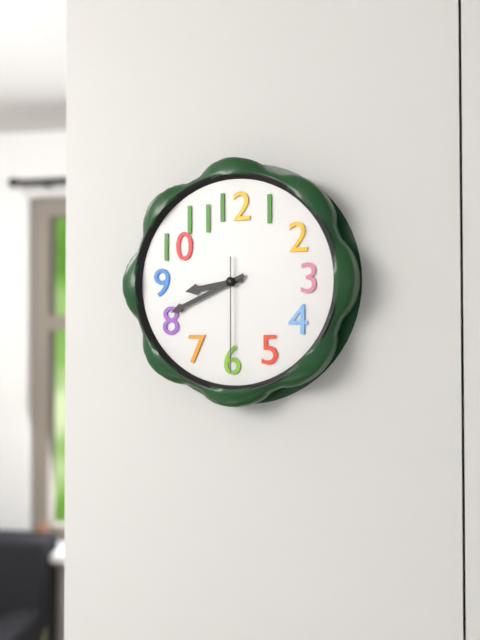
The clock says 8:41:30
